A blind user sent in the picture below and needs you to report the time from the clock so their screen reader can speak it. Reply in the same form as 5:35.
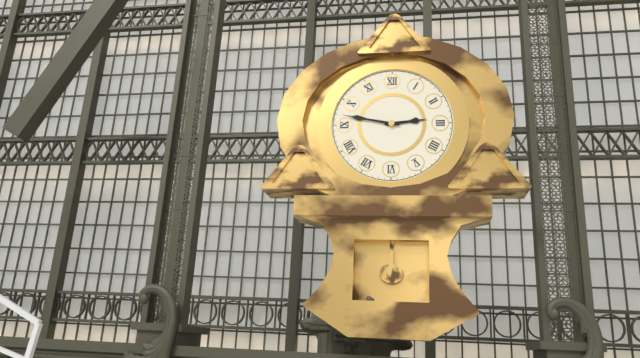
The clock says 2:47
